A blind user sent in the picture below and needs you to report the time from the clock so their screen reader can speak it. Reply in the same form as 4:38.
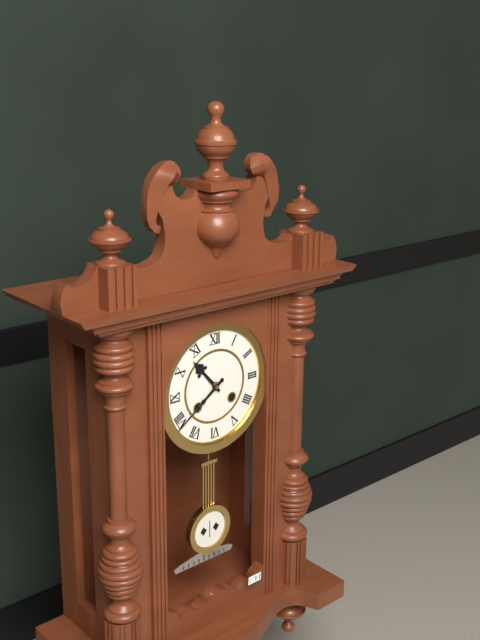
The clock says 10:39
